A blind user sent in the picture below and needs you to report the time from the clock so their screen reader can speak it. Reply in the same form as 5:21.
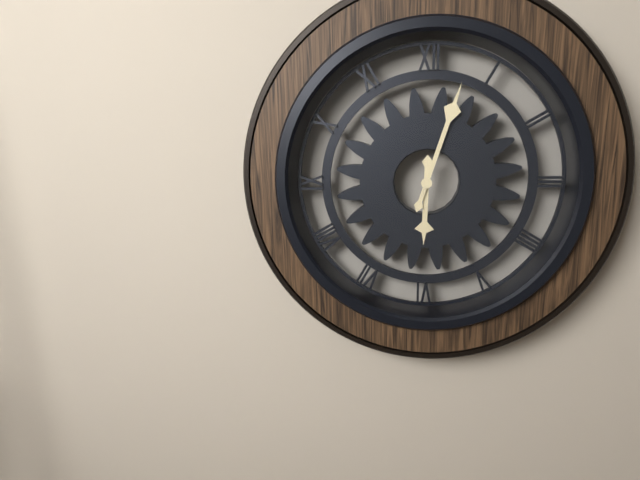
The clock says 6:03
